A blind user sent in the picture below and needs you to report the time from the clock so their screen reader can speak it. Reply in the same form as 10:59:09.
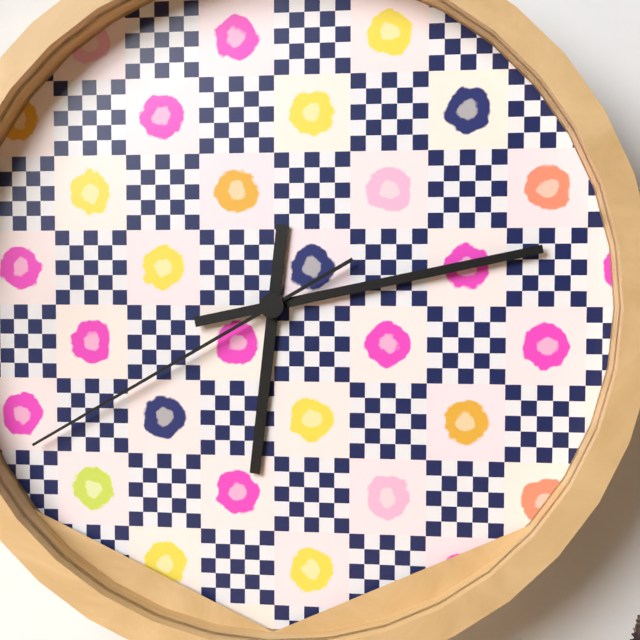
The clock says 6:13:40
